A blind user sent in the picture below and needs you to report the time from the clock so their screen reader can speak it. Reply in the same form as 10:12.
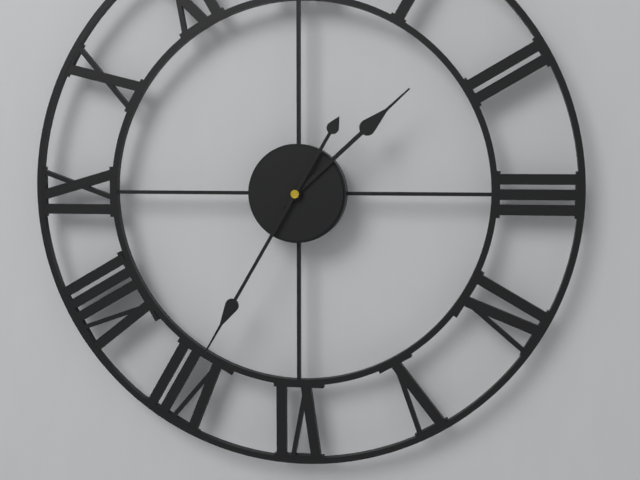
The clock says 1:35
